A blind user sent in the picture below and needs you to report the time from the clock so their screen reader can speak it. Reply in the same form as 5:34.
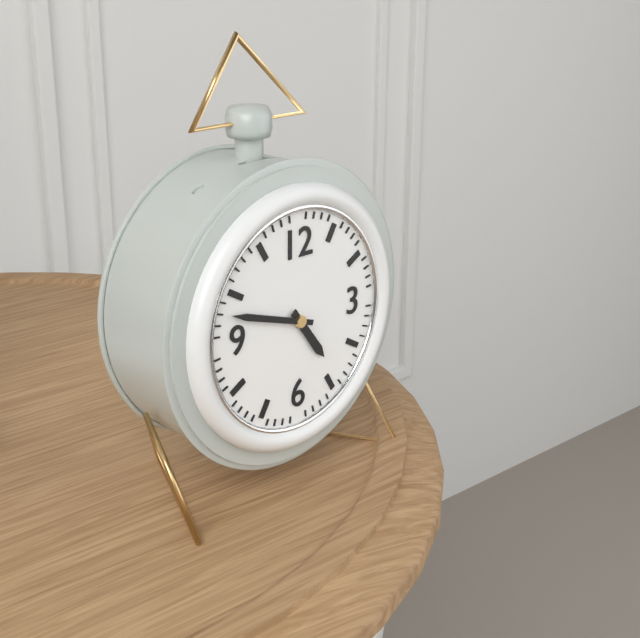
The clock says 4:48
